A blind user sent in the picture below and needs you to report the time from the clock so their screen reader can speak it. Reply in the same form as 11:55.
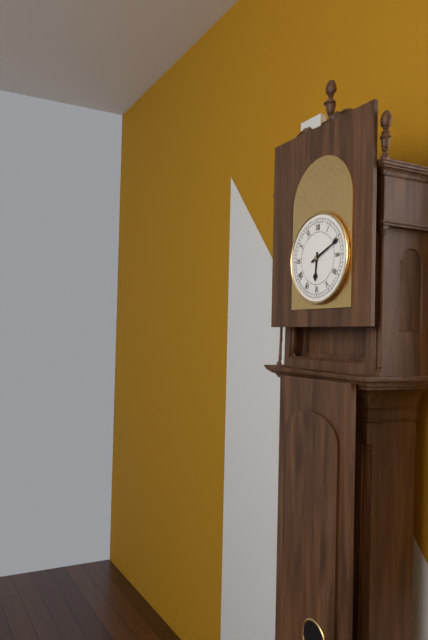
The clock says 6:11
